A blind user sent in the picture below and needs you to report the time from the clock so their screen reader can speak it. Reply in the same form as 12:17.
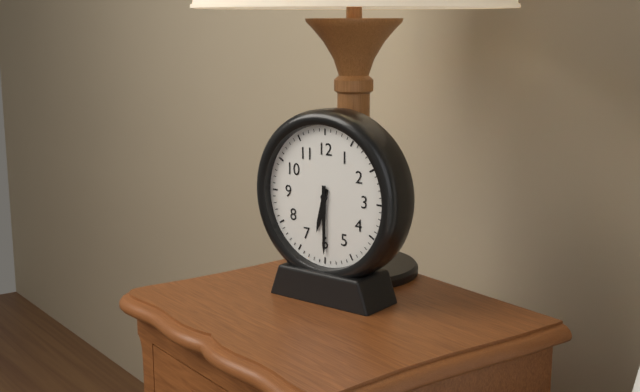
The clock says 6:30
